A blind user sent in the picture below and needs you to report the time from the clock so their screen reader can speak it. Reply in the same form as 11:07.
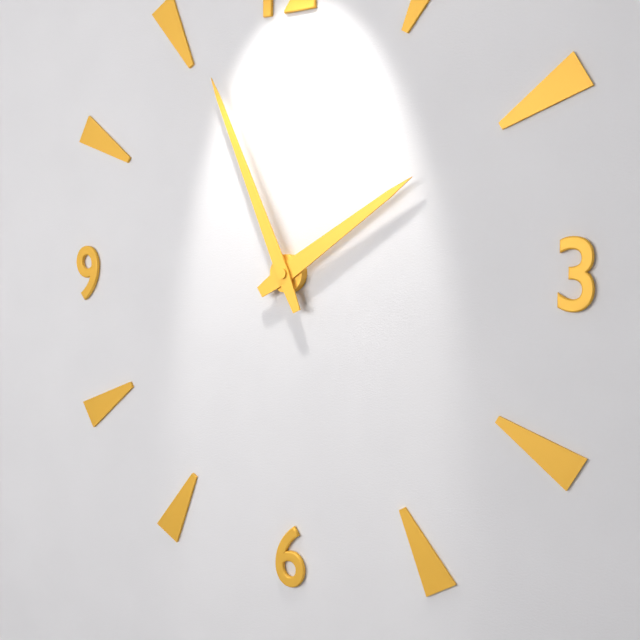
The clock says 1:56
